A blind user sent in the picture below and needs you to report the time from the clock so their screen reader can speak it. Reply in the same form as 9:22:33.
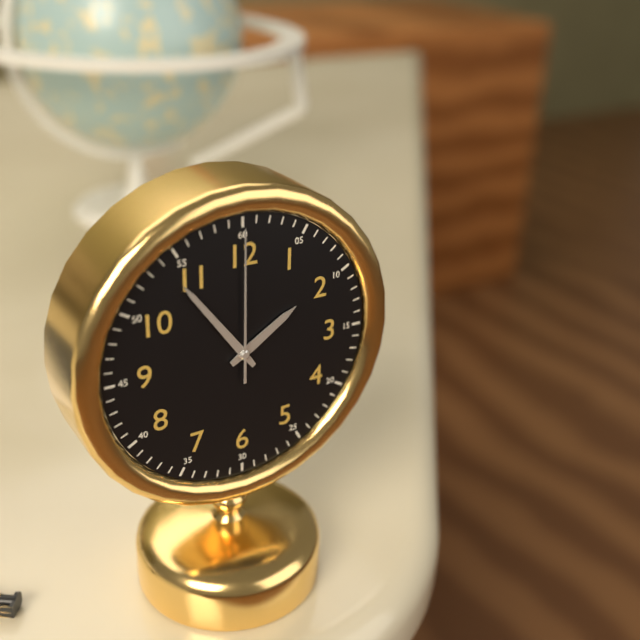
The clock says 1:54:00
